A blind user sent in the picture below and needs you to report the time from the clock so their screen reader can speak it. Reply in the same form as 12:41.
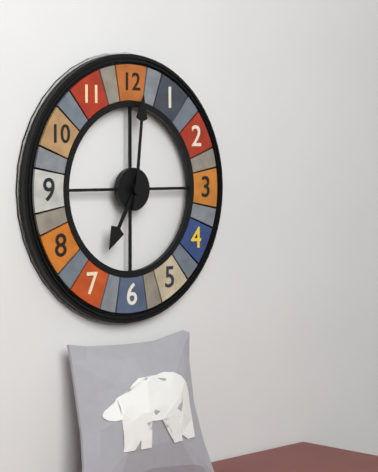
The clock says 7:01
